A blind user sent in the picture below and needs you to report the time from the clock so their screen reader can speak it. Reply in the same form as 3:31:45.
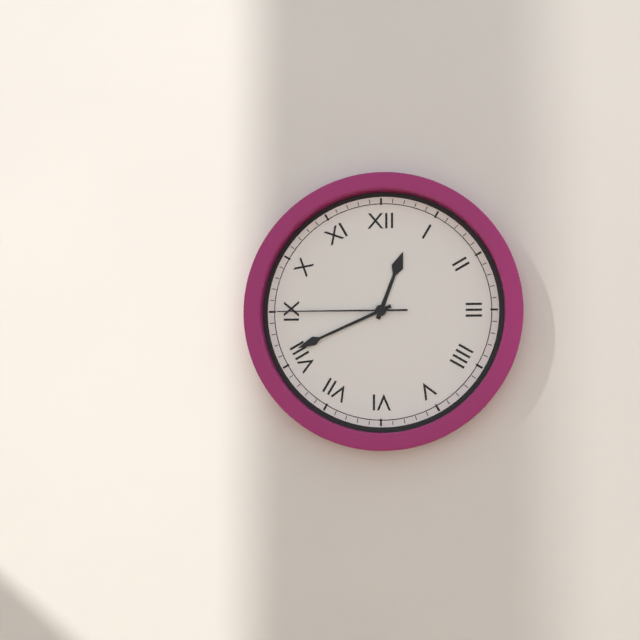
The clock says 12:41:45
